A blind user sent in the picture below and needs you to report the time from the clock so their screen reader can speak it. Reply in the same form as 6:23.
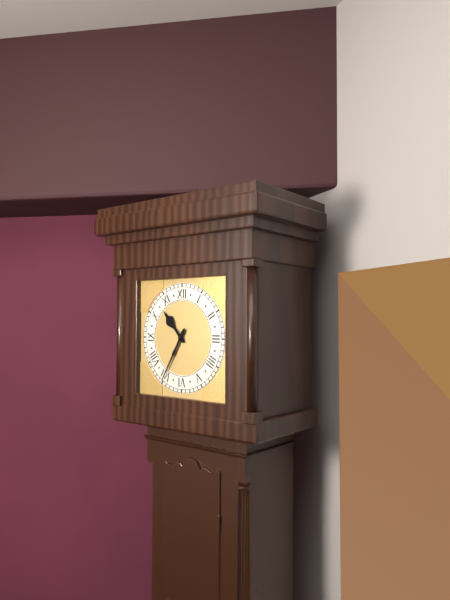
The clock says 10:35
